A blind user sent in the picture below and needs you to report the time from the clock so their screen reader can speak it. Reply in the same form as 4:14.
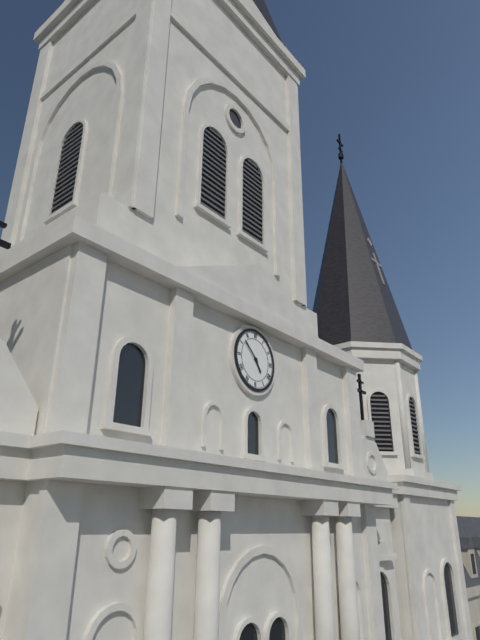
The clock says 4:52
